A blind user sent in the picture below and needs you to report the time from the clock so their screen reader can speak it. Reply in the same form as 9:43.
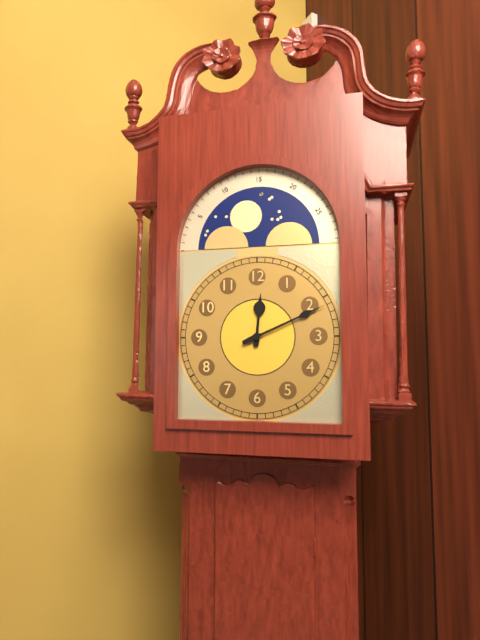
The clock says 12:11
